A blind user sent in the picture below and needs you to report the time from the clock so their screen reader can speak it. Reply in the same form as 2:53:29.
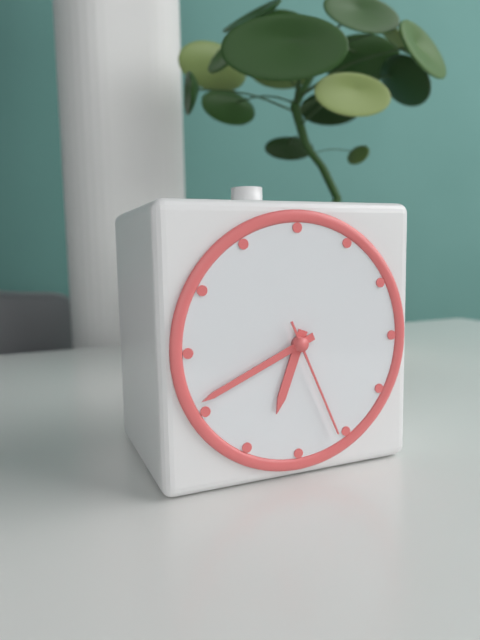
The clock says 6:41:26
